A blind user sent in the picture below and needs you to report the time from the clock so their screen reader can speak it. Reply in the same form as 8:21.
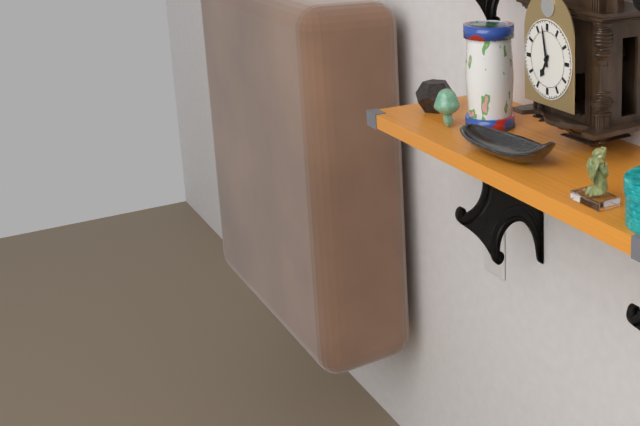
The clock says 6:58
